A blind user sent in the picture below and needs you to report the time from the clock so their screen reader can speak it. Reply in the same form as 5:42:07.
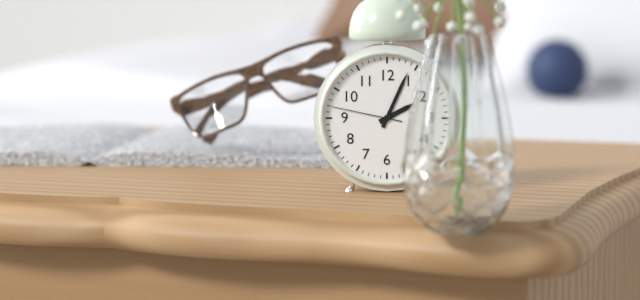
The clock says 2:04:47
